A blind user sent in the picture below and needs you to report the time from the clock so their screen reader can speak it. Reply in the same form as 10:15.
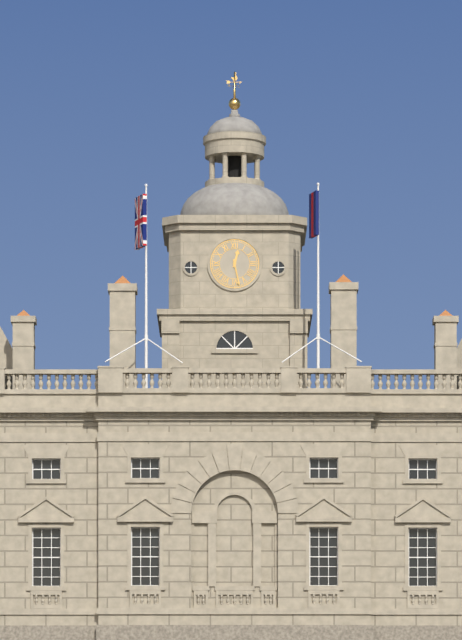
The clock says 12:28
